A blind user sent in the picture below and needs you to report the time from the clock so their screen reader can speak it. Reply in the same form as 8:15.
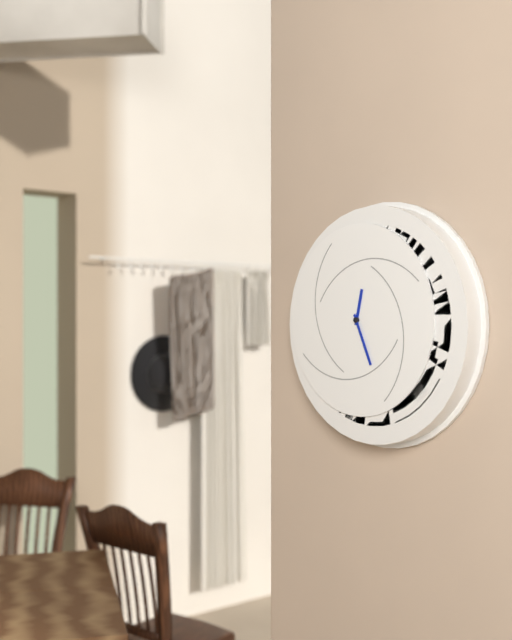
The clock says 12:26
